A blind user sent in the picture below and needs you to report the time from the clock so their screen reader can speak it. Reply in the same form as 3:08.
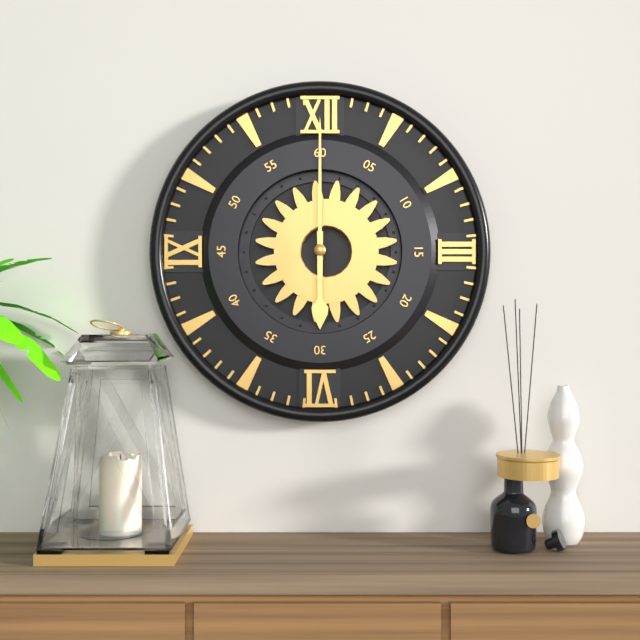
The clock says 6:00
